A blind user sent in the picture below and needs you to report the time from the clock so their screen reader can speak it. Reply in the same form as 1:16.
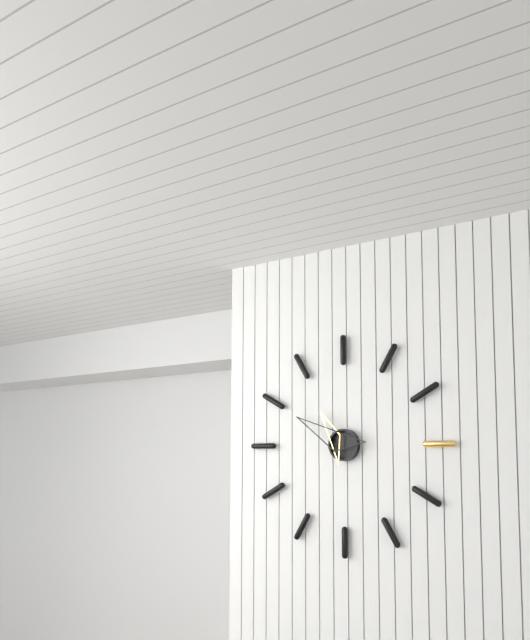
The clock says 10:50
